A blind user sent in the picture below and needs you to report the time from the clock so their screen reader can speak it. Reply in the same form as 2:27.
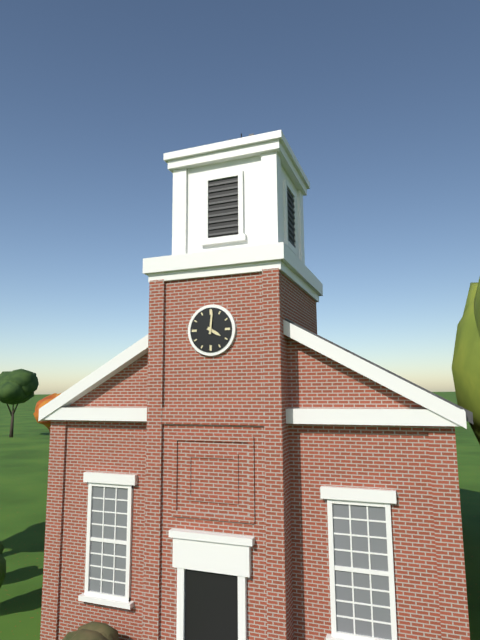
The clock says 4:01
